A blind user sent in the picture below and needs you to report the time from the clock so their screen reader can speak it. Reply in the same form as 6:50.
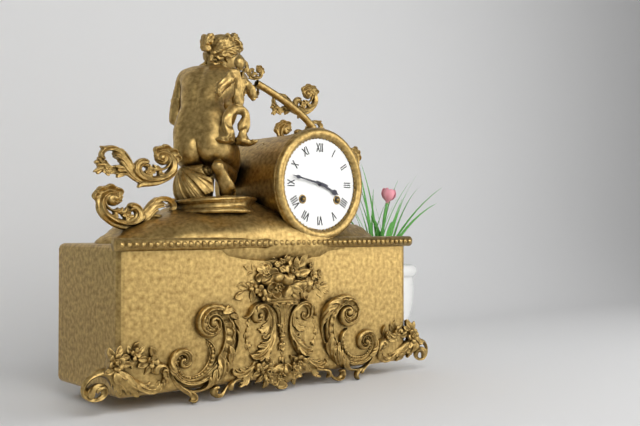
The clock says 3:47
